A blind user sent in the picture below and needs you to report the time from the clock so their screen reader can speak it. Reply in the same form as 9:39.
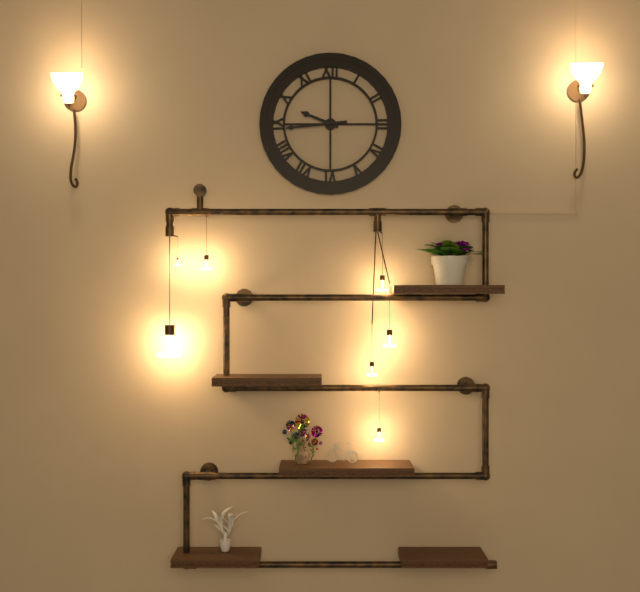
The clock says 9:44
